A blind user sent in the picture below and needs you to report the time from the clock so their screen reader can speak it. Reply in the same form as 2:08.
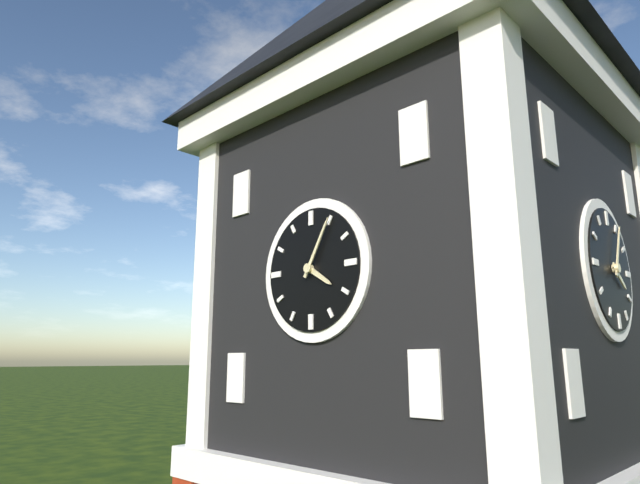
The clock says 4:05
